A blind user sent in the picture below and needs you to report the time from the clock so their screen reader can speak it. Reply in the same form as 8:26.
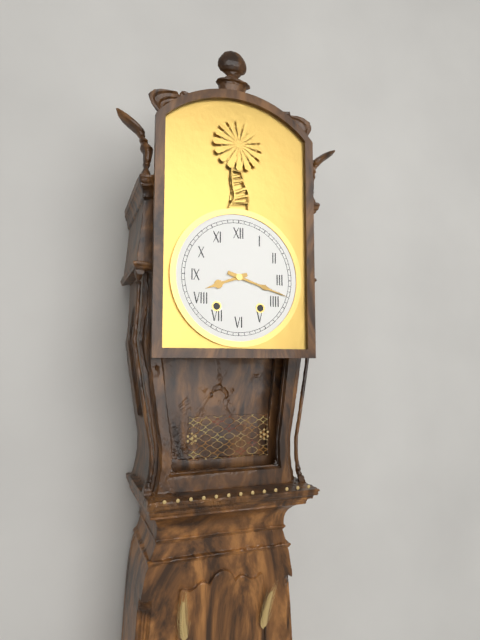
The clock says 8:18
